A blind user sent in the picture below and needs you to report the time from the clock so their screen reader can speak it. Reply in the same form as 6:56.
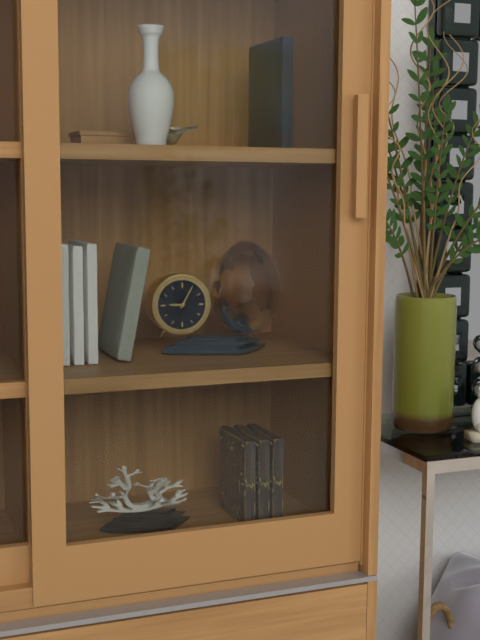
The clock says 9:05
